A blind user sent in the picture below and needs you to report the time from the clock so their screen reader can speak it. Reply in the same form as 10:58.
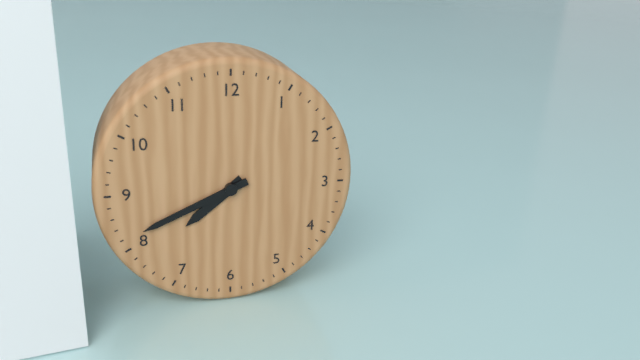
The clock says 7:41
